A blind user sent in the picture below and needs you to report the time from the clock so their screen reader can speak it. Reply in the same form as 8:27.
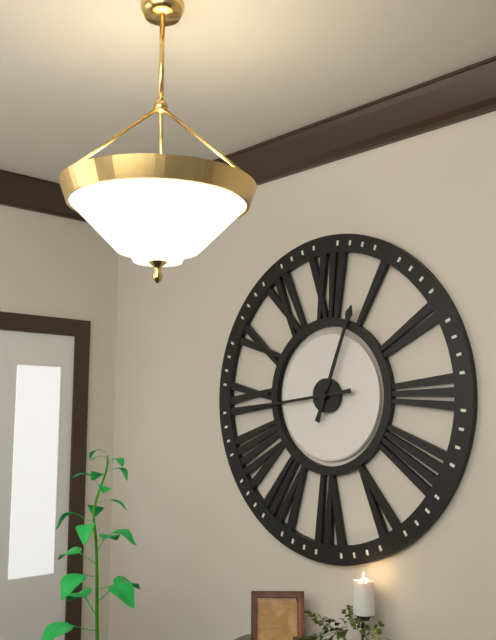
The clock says 12:44
